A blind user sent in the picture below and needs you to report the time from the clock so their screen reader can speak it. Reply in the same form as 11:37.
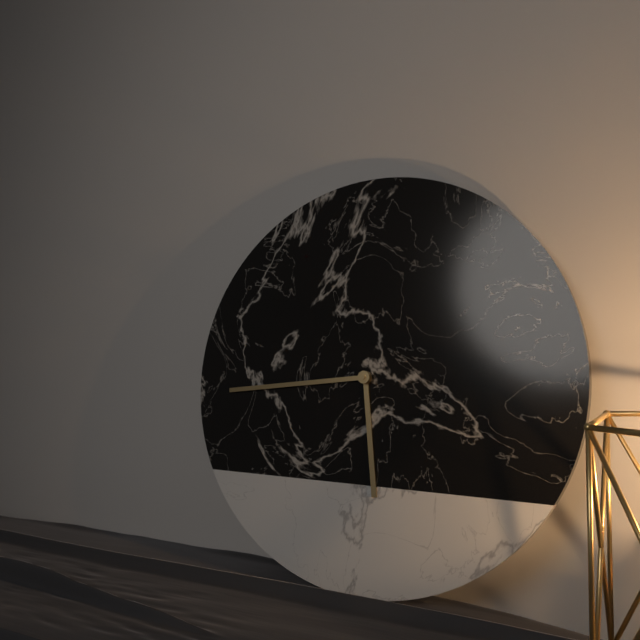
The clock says 5:44
